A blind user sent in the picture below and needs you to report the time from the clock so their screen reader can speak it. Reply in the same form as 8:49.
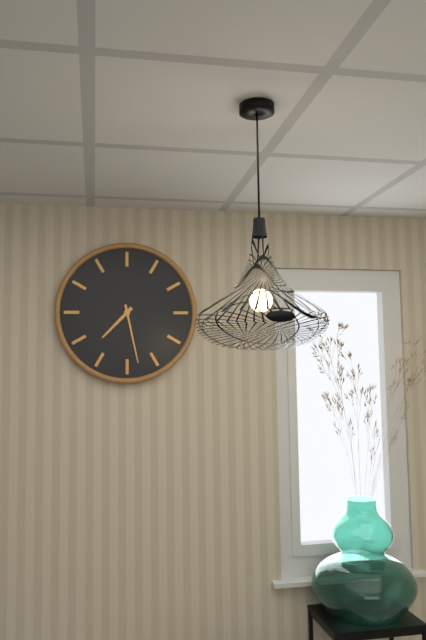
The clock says 7:28
